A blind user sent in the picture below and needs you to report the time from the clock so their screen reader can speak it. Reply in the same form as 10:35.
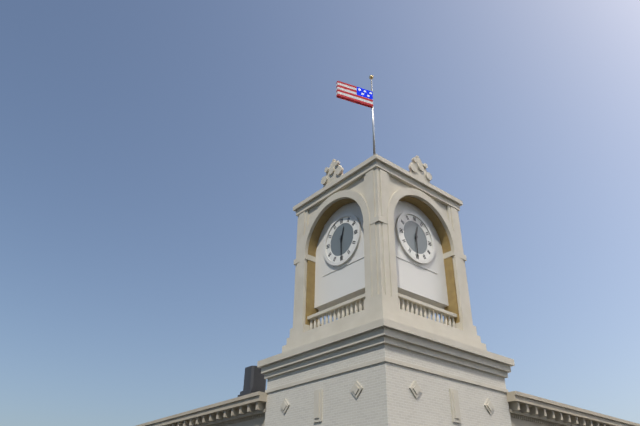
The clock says 12:30
